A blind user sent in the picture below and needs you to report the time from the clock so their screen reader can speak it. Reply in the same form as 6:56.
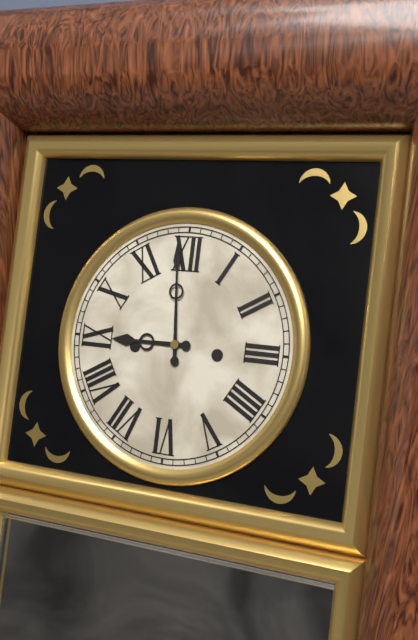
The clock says 8:59
